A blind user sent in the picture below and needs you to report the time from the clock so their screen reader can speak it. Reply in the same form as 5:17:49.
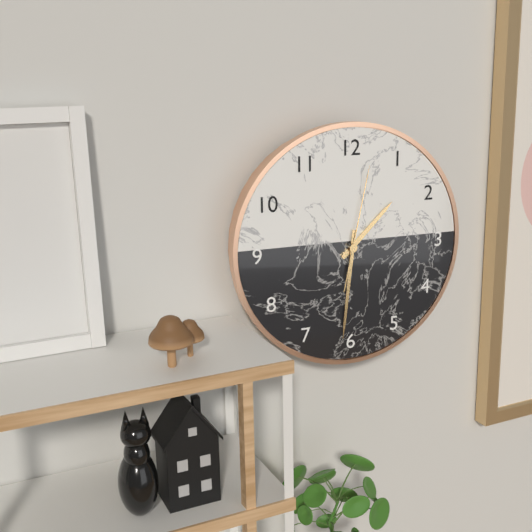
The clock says 1:31:02
